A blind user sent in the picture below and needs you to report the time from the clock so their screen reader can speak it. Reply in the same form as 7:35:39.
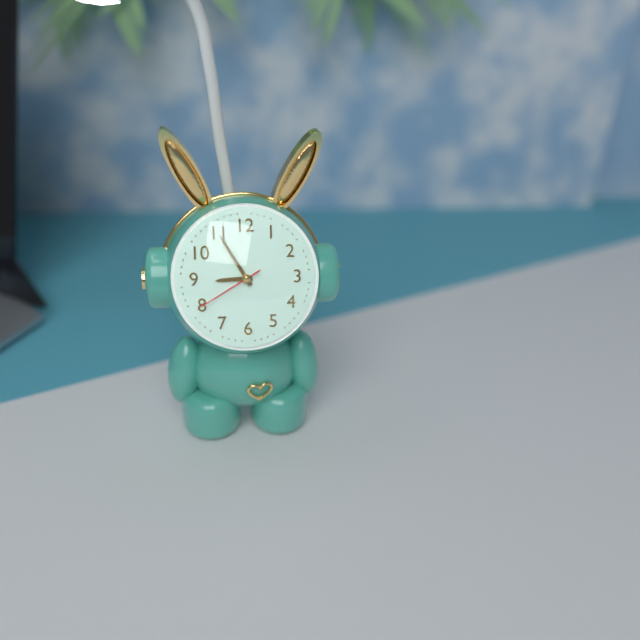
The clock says 8:55:40
